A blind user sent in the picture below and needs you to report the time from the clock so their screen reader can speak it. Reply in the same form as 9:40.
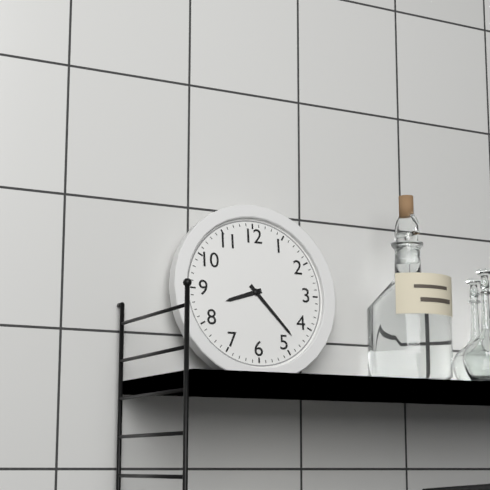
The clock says 8:23
